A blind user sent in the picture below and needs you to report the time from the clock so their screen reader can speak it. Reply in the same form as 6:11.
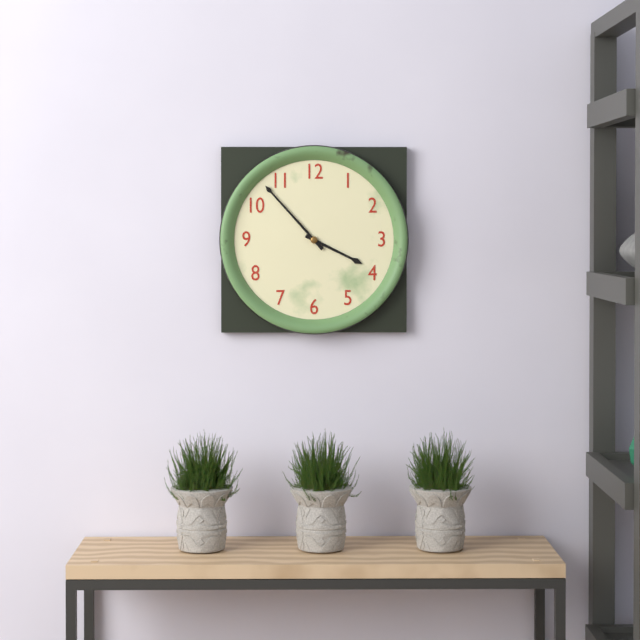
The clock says 3:53
